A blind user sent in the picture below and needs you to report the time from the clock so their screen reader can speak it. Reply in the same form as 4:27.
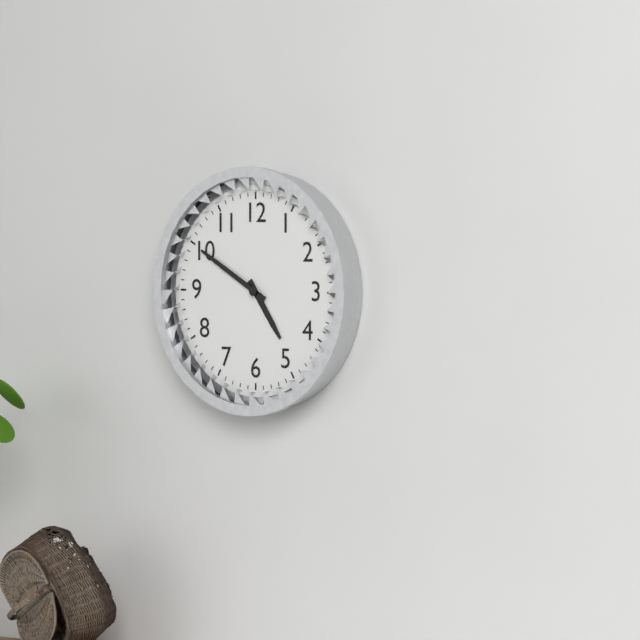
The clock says 4:50
